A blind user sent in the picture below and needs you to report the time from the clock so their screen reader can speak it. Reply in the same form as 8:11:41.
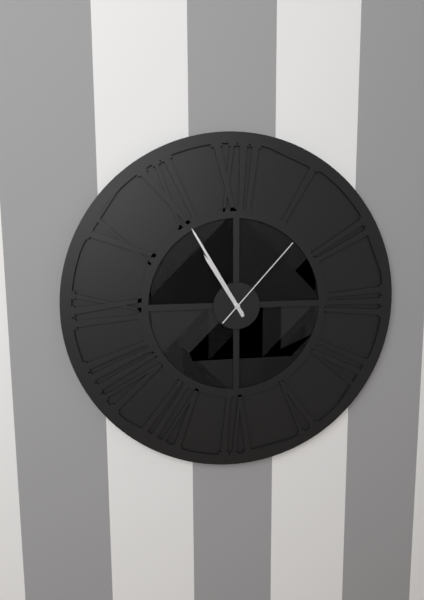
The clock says 10:55:07
